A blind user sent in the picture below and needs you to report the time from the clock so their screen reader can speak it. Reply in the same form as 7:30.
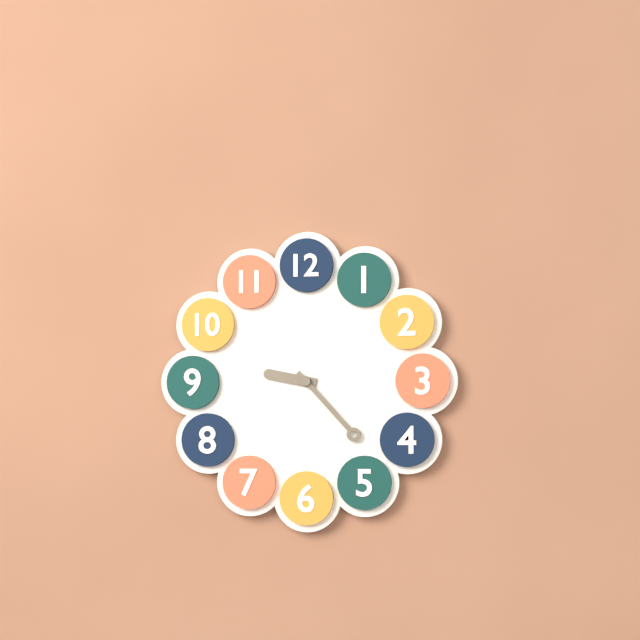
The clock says 9:23
